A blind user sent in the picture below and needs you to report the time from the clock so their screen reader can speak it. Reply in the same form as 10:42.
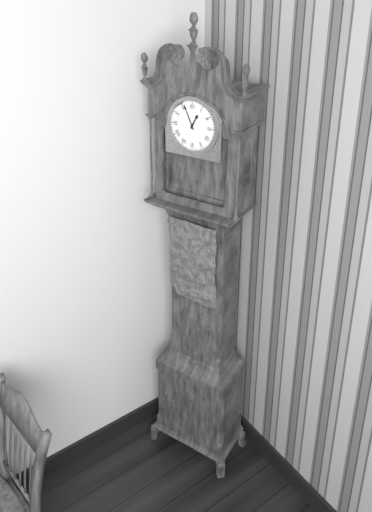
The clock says 12:56
